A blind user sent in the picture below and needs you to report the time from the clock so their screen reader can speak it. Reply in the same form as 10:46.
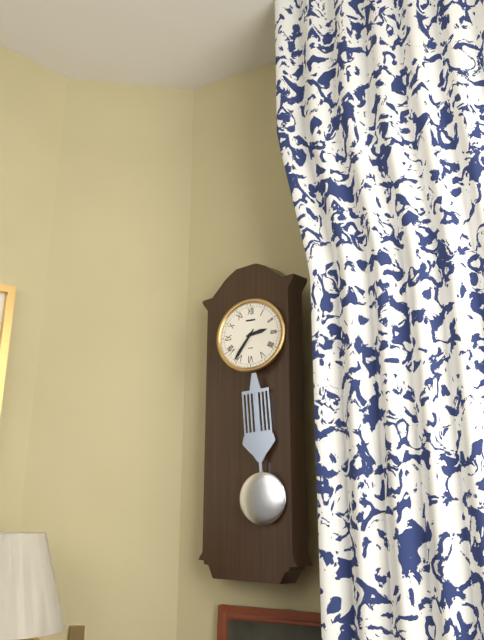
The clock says 2:36
